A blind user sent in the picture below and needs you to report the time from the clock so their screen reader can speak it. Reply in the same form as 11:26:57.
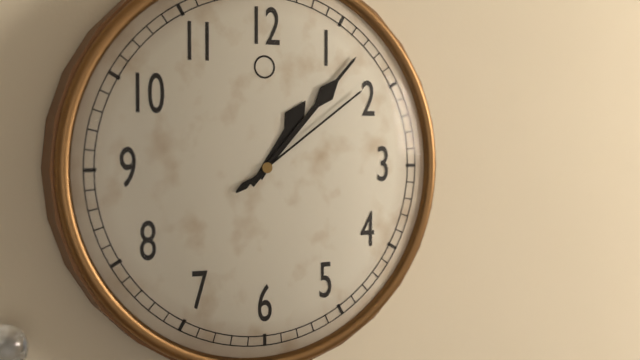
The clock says 1:07:09
